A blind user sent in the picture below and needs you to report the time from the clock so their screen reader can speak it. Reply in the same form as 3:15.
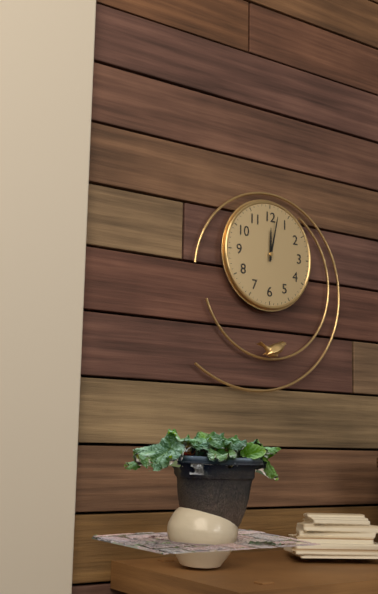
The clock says 12:02
